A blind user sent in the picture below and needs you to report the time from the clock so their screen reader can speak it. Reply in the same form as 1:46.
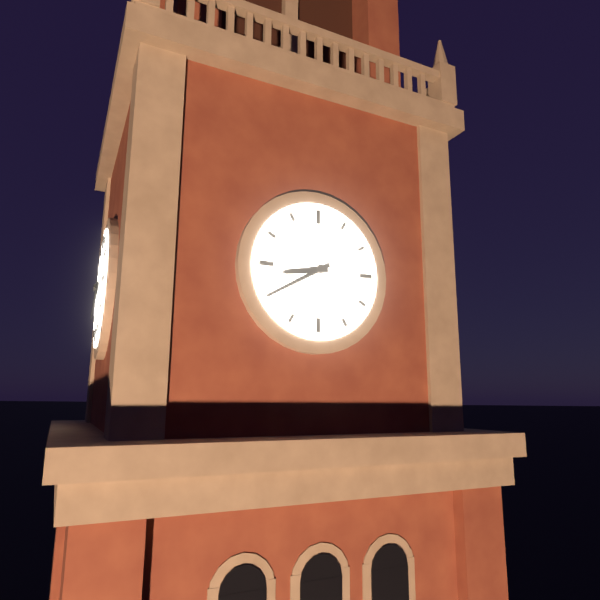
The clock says 8:40
